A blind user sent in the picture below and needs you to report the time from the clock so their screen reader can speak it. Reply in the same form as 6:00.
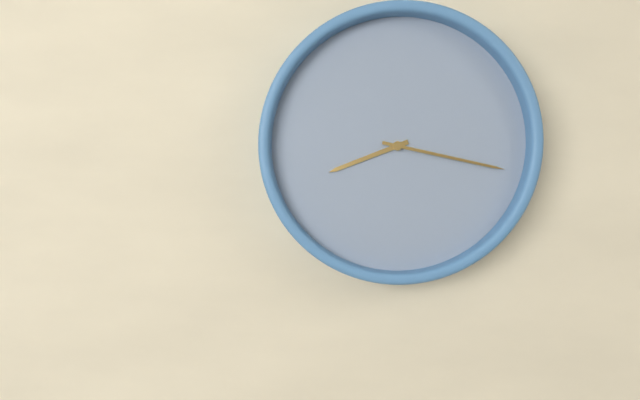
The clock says 8:17
